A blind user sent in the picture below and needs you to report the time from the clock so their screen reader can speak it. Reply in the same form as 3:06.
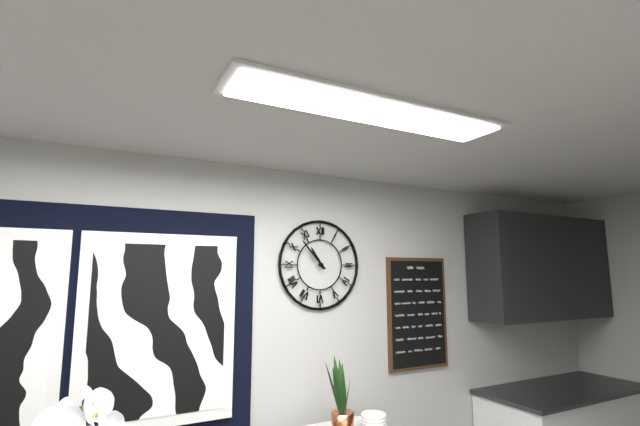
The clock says 10:53
